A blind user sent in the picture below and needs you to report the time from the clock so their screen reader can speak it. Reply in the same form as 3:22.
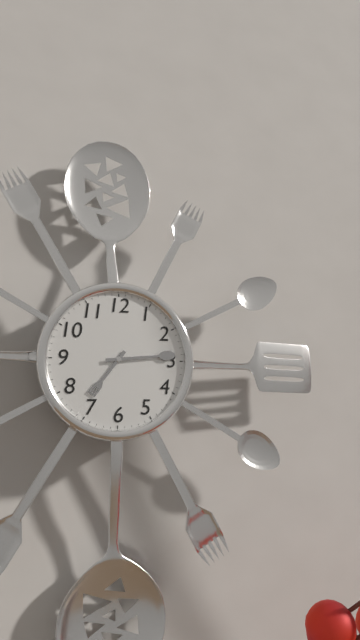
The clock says 7:14
